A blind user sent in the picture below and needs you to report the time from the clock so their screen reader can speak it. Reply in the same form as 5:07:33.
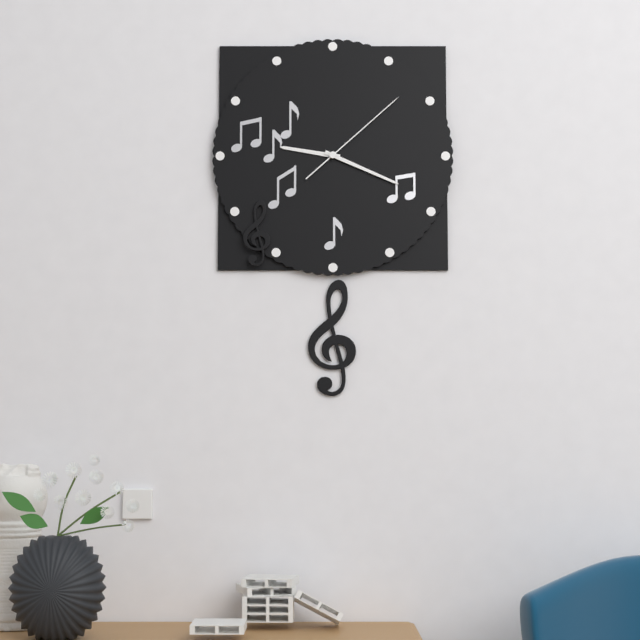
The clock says 9:19:08
